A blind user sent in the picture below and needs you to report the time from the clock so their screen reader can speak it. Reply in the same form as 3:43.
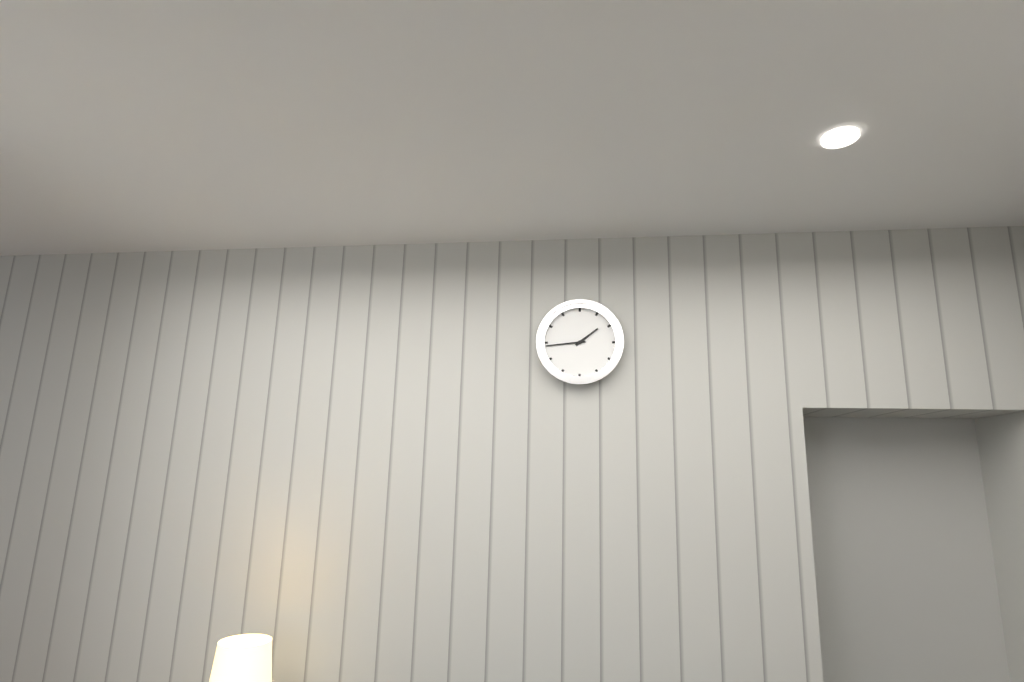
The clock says 1:44
